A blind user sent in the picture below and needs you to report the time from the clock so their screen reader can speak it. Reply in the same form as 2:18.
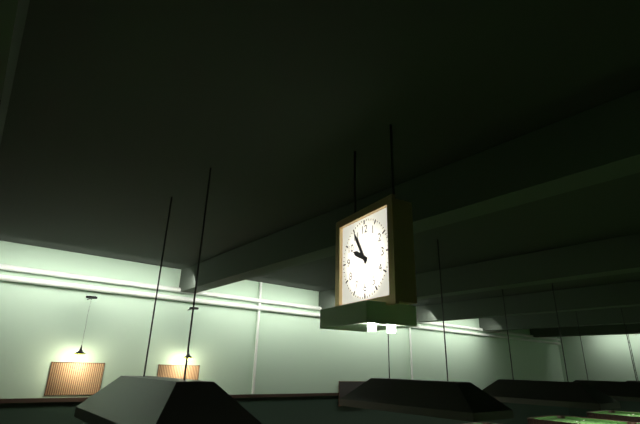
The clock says 9:55
